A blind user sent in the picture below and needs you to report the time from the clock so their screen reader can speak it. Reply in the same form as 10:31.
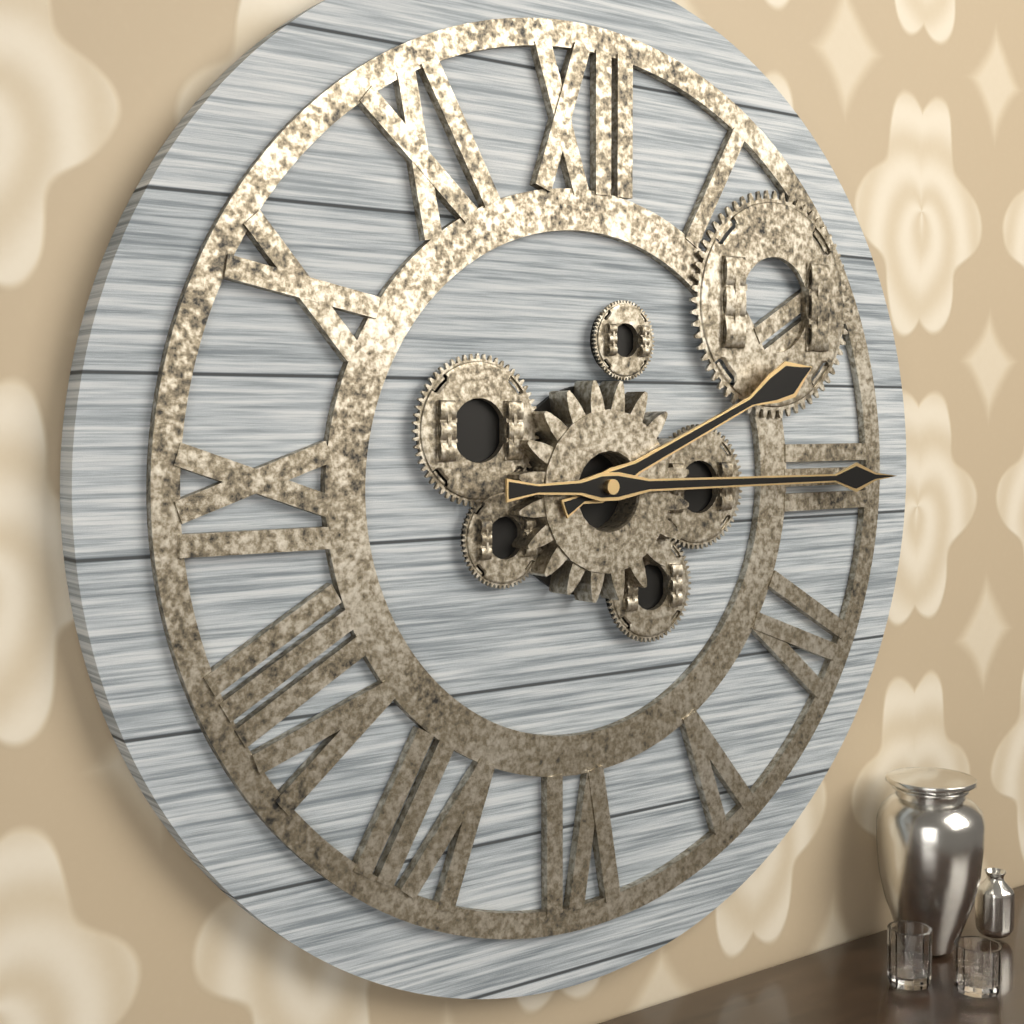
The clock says 2:15
